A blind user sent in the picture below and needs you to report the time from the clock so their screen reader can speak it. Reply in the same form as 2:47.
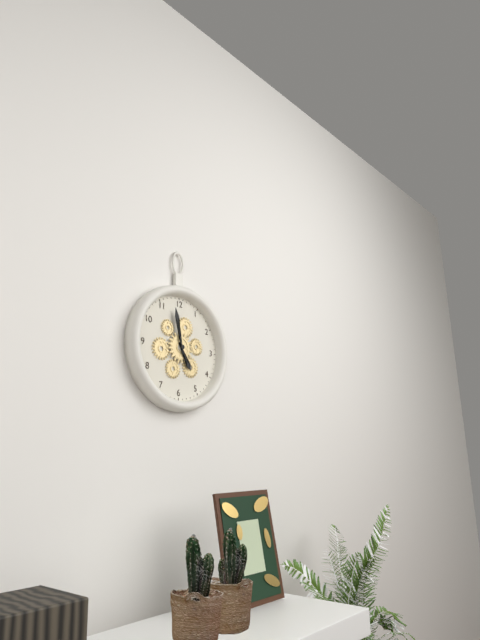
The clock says 4:58
